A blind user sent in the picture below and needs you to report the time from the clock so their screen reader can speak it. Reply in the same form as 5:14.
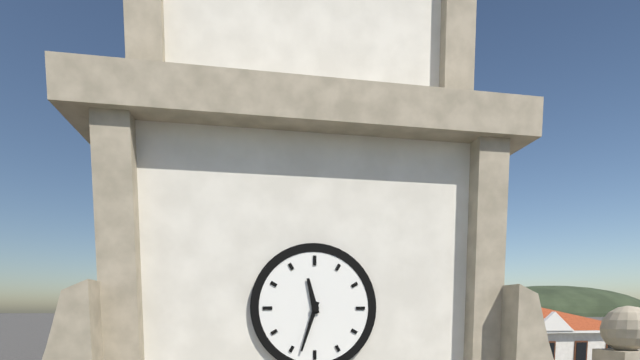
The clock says 11:33
